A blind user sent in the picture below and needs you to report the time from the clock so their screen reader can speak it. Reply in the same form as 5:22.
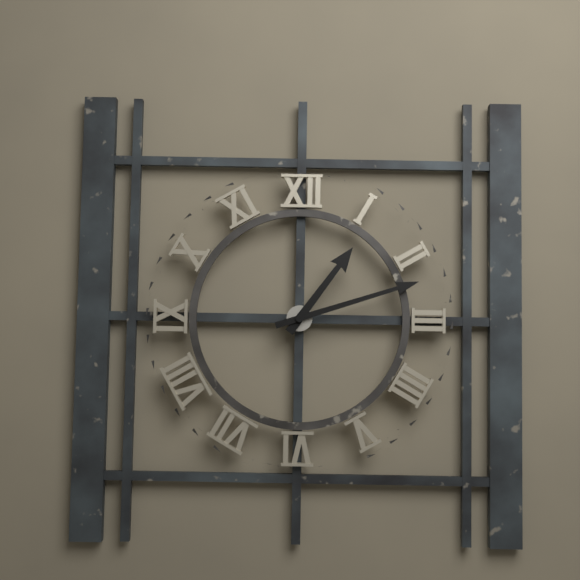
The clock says 1:12
